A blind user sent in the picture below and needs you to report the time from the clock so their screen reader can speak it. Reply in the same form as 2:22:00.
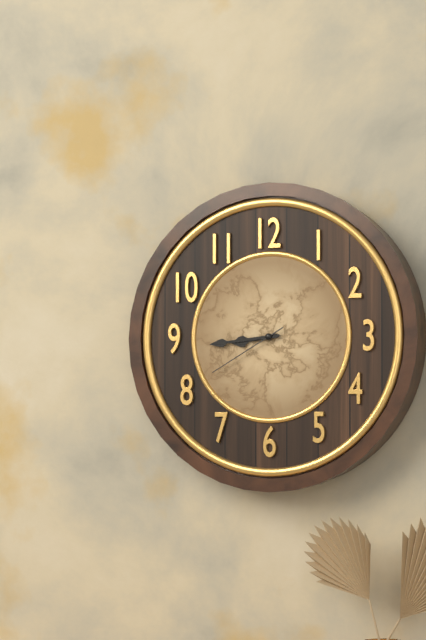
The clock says 8:44:40
